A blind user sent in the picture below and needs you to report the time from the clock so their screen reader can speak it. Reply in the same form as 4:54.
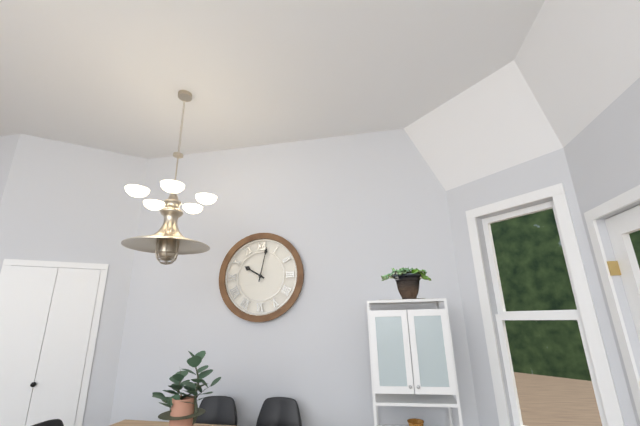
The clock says 10:02
